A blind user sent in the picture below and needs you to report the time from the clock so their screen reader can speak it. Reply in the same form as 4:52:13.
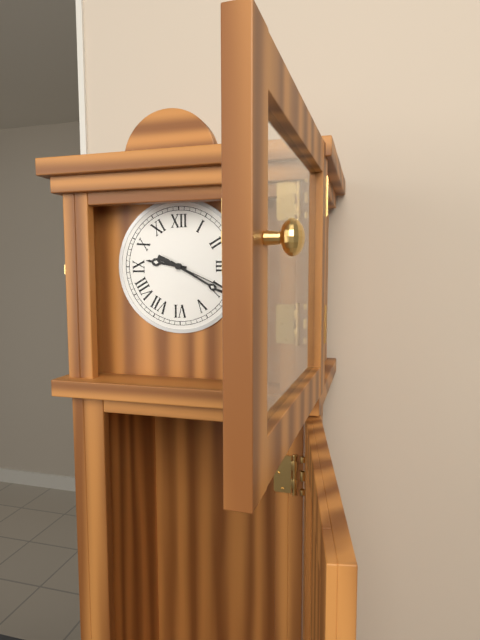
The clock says 9:20:19
